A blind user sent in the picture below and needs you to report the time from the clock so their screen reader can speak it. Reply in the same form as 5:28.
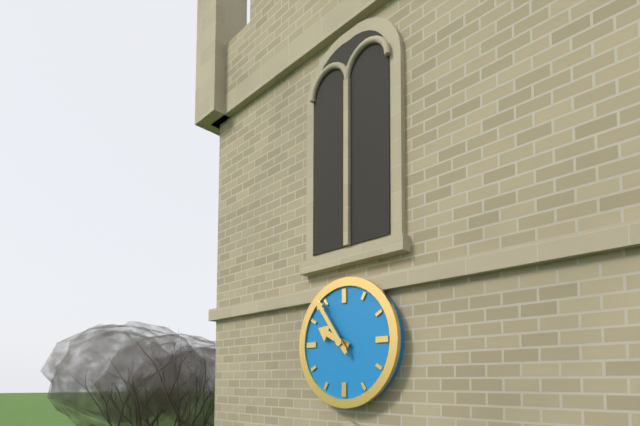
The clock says 9:54
